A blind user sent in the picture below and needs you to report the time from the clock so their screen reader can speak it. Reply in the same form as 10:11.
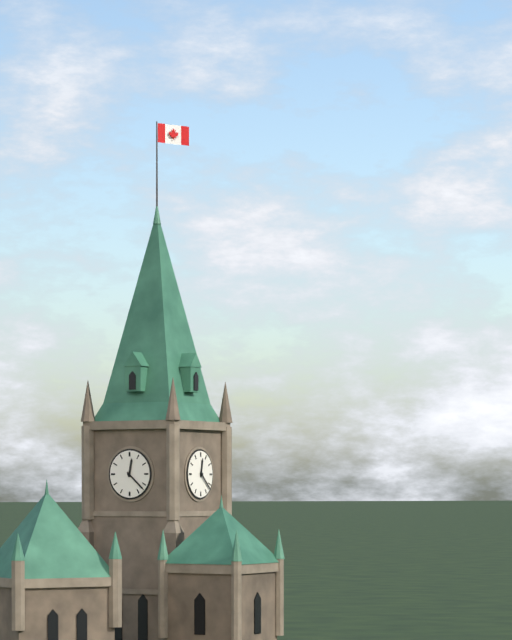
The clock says 12:22
